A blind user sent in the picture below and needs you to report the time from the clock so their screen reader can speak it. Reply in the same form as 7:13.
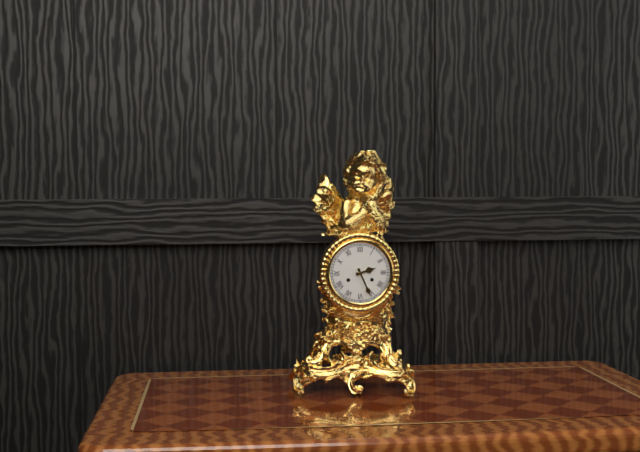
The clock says 2:26
